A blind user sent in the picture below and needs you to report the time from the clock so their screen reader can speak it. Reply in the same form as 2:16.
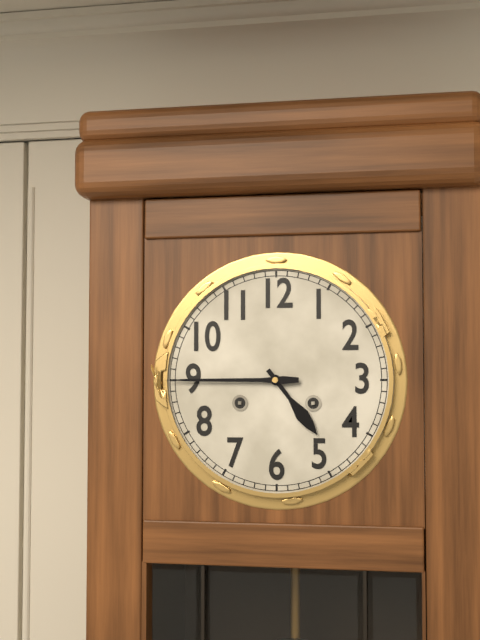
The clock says 4:45
